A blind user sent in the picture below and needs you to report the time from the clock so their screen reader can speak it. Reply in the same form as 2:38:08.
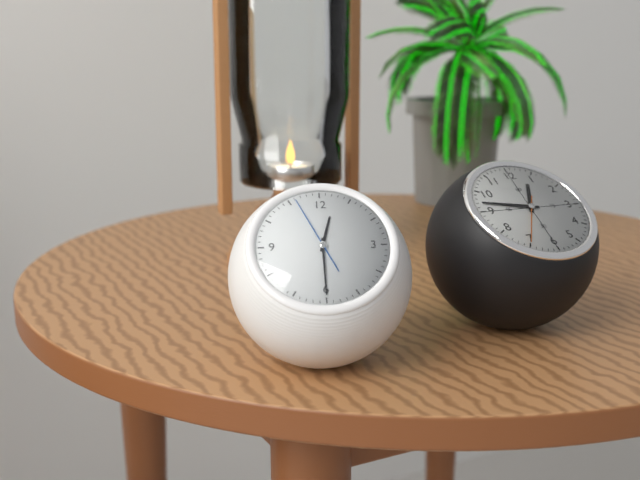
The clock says 12:30:56
